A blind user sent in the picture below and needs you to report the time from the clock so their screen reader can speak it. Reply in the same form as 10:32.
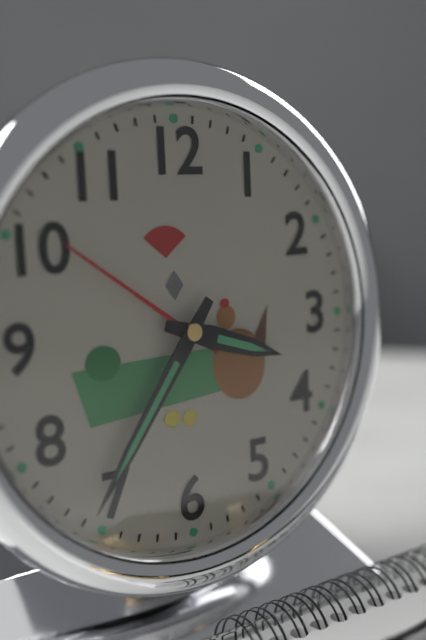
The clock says 3:36
